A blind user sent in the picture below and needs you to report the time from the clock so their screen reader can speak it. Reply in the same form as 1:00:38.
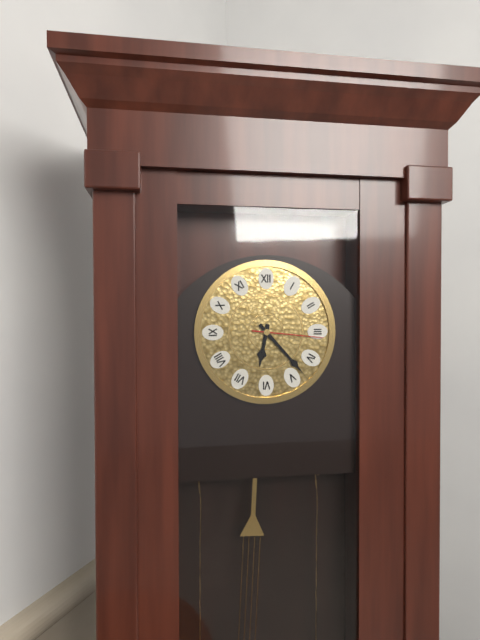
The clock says 6:23:16
